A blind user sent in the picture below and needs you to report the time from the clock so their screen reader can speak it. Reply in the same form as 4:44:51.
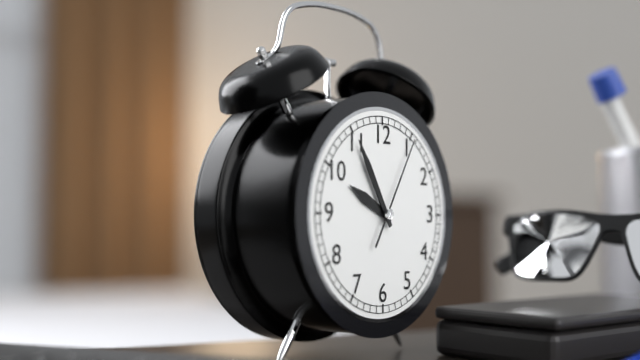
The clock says 9:55:05
